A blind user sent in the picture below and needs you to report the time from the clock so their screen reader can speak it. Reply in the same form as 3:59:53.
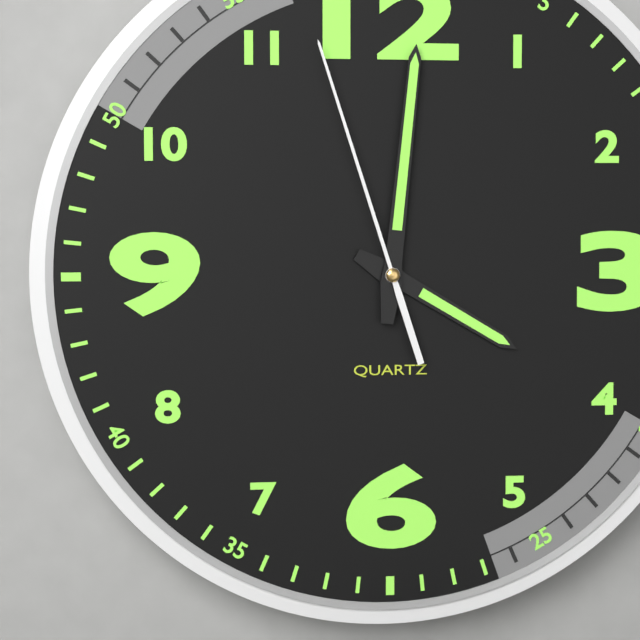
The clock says 4:01:57
